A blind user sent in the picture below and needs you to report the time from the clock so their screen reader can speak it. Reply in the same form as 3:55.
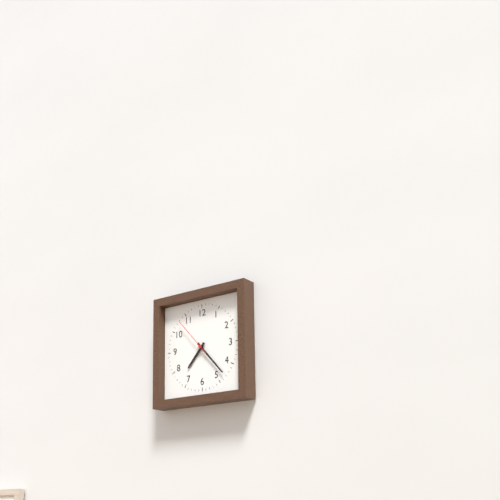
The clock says 7:23
